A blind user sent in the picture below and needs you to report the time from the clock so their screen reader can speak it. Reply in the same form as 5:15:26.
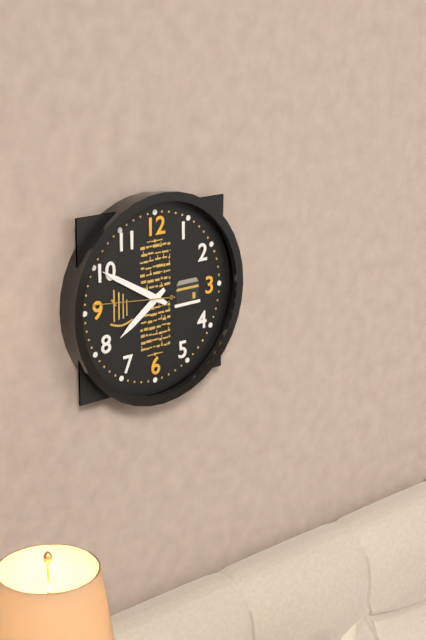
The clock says 7:50:46
